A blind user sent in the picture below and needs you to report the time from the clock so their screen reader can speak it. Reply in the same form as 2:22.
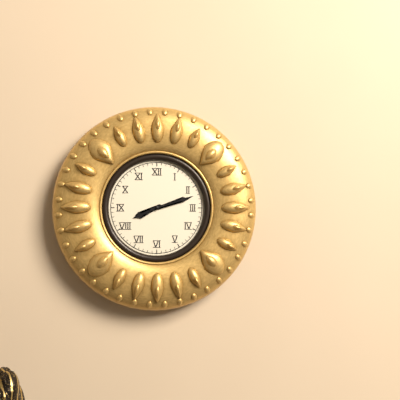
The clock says 8:12
